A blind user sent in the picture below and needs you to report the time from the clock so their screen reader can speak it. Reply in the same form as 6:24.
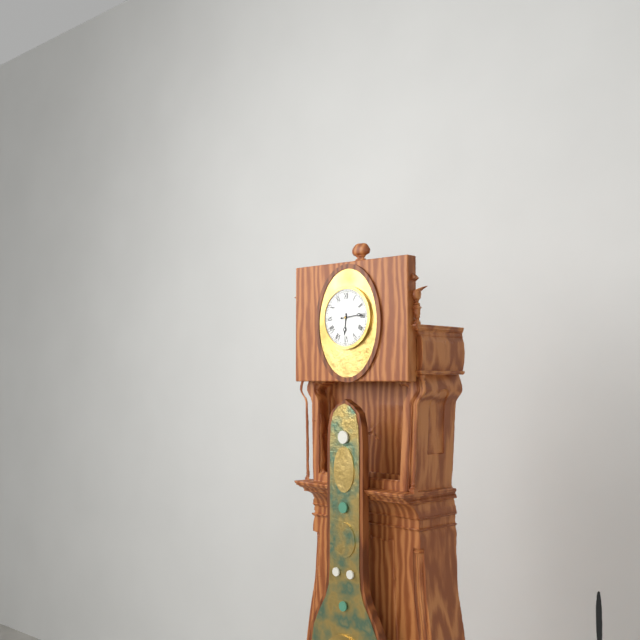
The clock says 6:14
